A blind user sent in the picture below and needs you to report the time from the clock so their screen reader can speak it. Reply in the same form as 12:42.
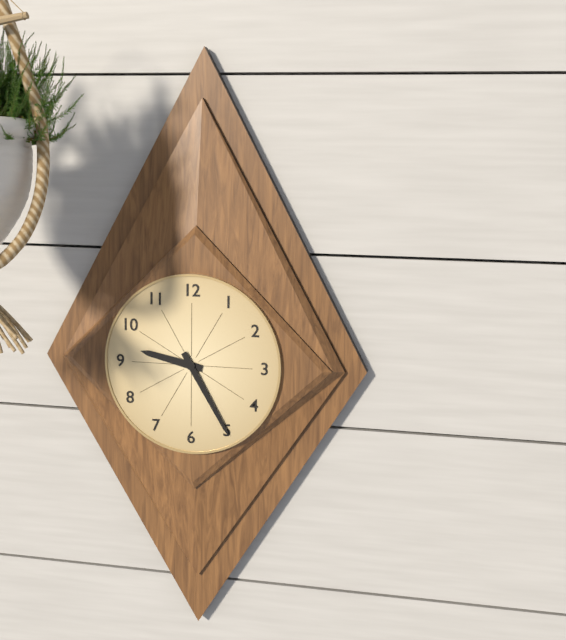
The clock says 9:25
